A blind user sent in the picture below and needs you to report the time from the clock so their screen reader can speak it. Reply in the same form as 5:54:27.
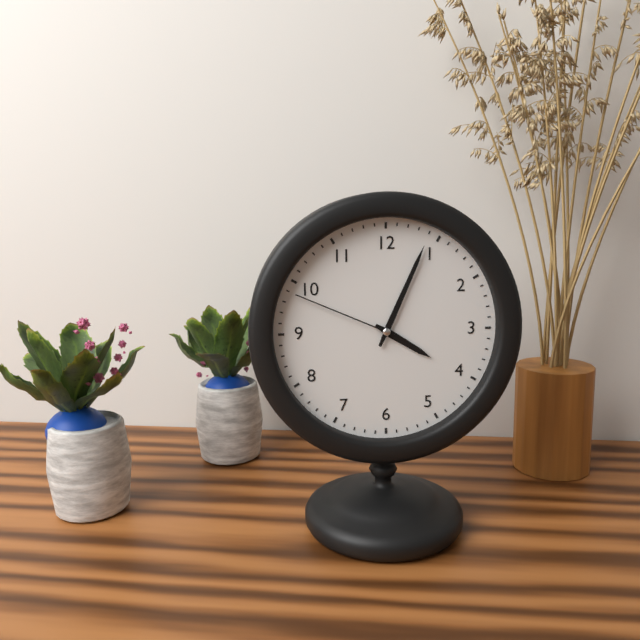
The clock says 4:04:49
